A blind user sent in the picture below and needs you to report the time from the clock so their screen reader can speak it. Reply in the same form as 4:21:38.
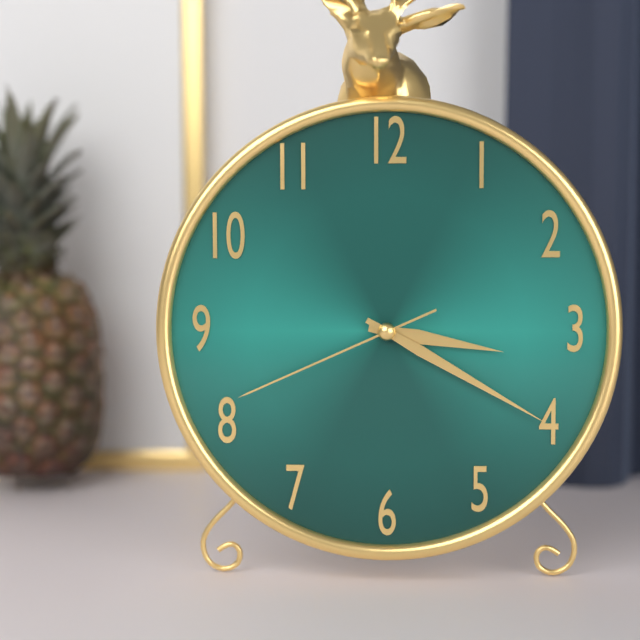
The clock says 3:20:41
